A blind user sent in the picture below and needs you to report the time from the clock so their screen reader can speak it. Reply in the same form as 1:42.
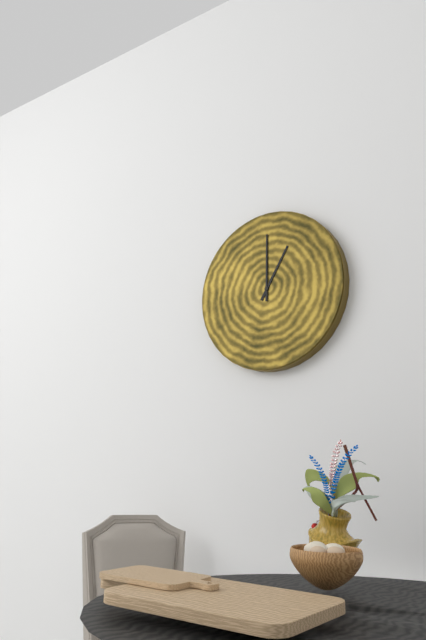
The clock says 1:00
